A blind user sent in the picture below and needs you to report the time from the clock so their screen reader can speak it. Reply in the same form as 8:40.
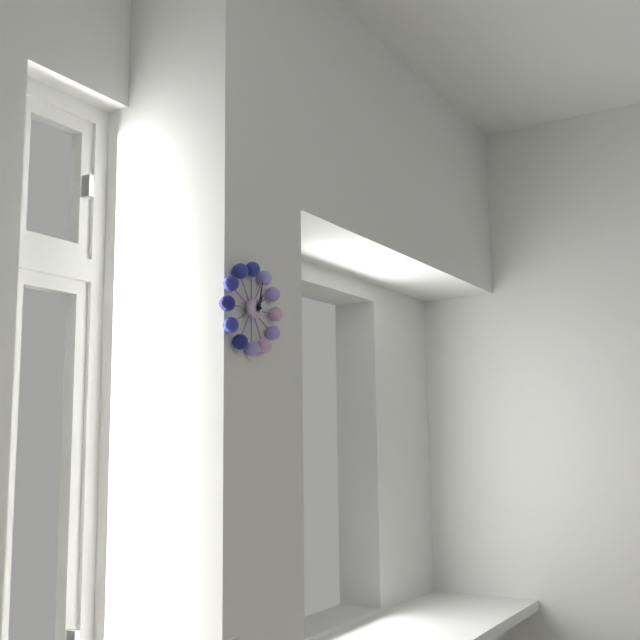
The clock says 1:02
